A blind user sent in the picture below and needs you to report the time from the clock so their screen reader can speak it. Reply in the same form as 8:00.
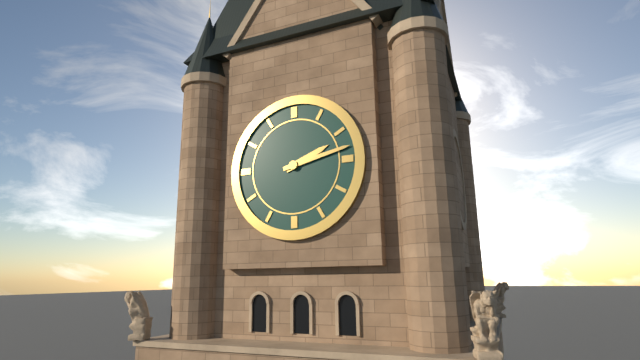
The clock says 2:13
